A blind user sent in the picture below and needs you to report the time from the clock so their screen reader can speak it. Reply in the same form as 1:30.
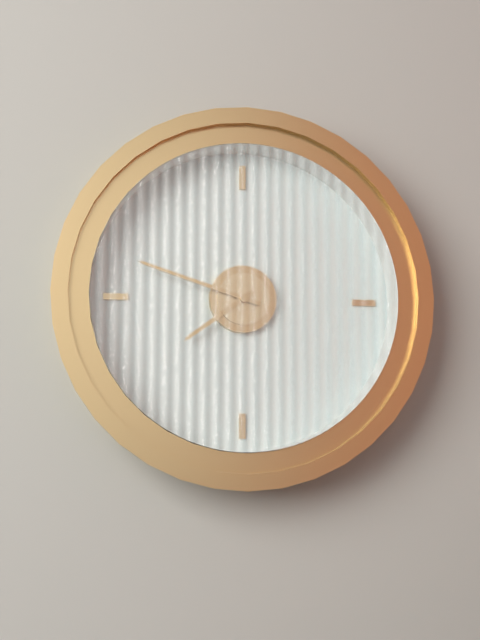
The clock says 7:48
